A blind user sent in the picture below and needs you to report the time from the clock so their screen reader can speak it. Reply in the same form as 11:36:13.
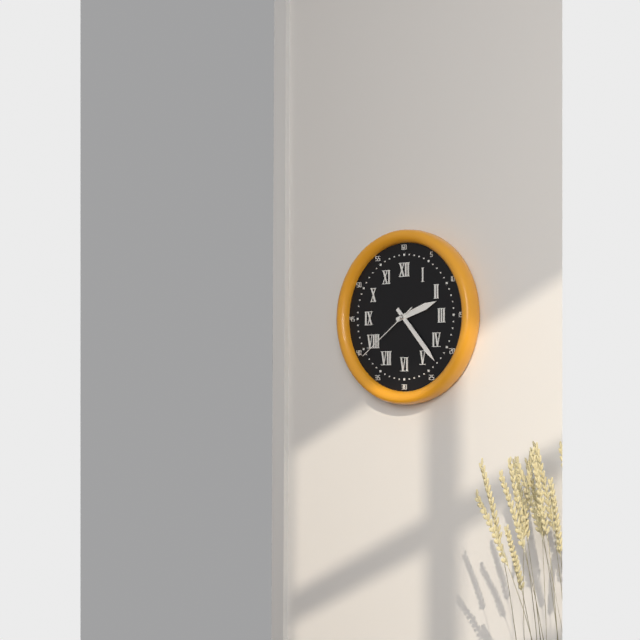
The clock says 2:23:39
